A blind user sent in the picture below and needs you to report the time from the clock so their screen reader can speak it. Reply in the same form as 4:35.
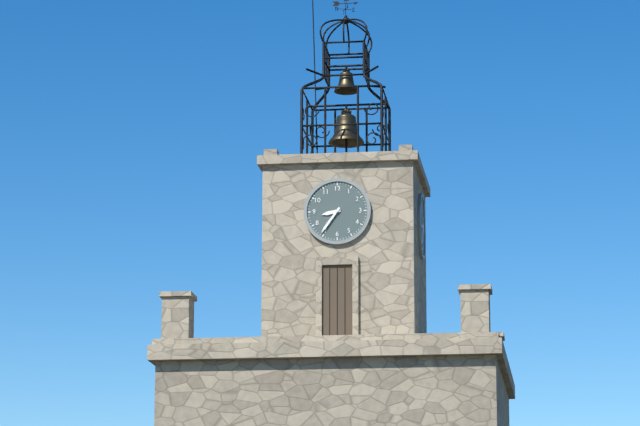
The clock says 8:36
